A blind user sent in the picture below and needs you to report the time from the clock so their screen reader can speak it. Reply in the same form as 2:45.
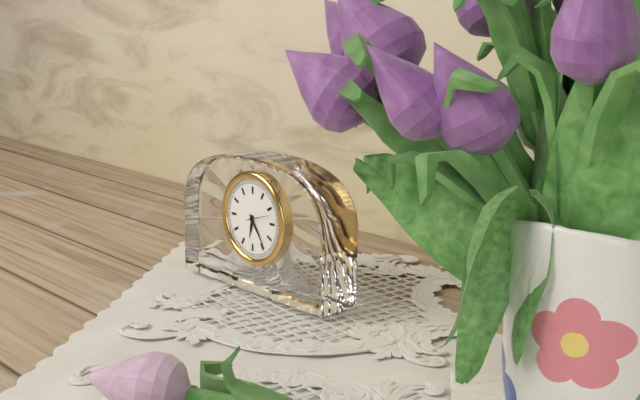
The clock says 6:24
